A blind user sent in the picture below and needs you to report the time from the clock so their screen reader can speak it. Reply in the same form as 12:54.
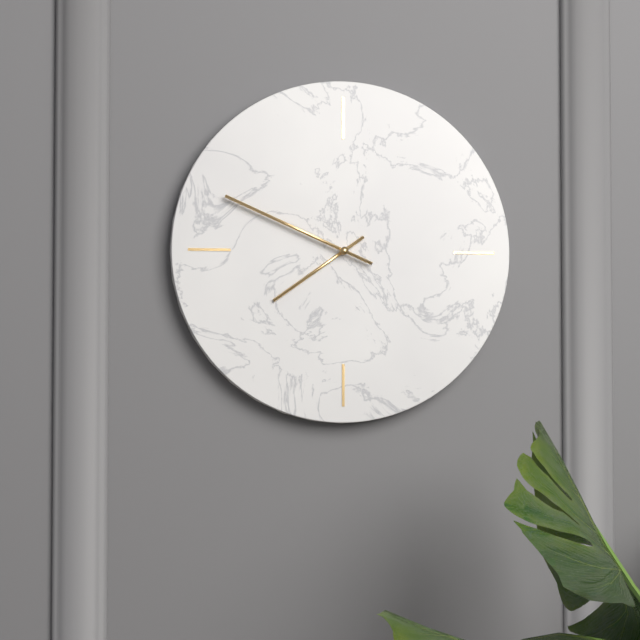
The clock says 7:49
